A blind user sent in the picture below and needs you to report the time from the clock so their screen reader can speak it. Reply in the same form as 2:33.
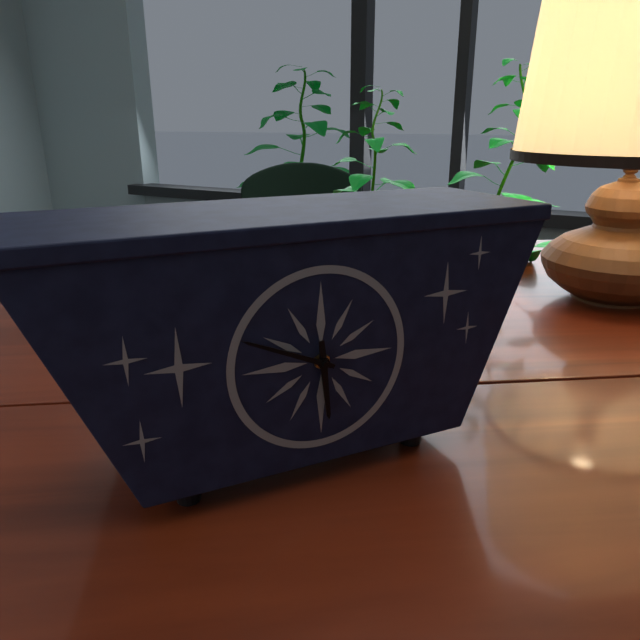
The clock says 5:49
